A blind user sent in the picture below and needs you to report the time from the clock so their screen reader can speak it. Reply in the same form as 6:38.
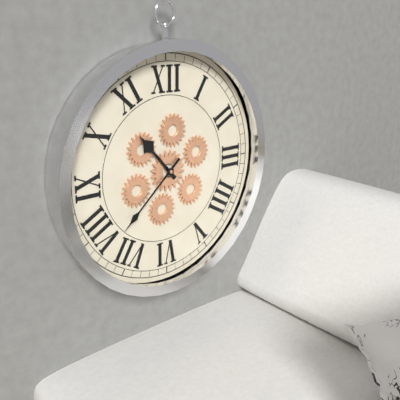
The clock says 10:38
